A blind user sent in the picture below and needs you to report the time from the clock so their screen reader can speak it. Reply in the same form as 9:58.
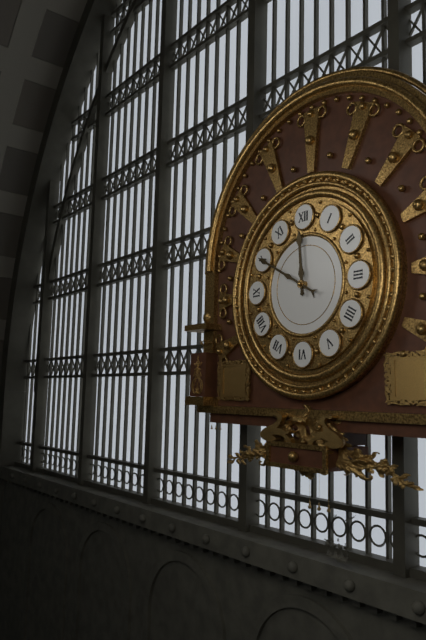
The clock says 11:50
